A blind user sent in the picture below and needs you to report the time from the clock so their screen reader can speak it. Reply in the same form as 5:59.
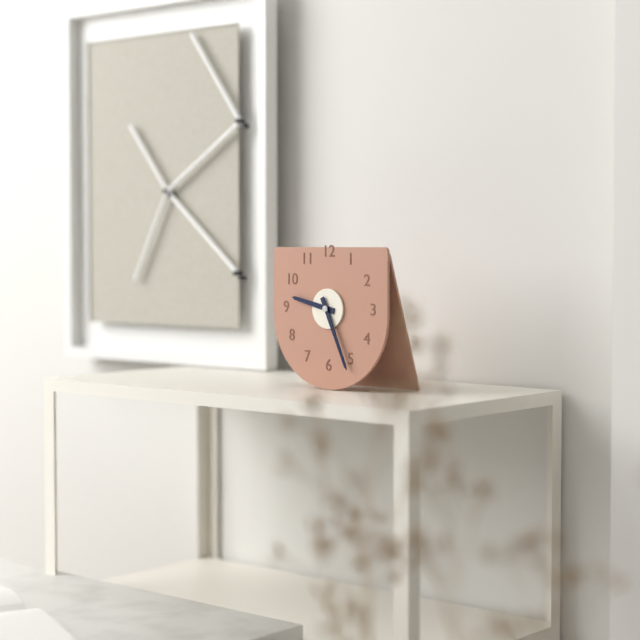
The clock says 9:26
